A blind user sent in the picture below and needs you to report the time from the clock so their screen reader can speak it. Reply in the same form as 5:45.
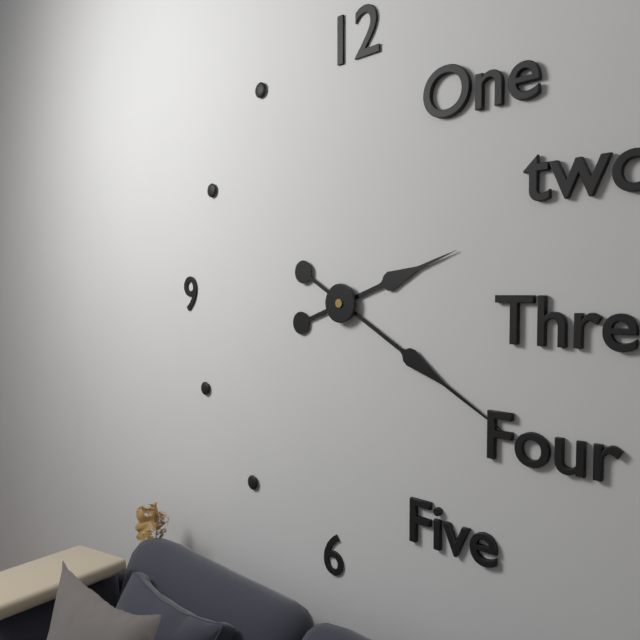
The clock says 2:20
